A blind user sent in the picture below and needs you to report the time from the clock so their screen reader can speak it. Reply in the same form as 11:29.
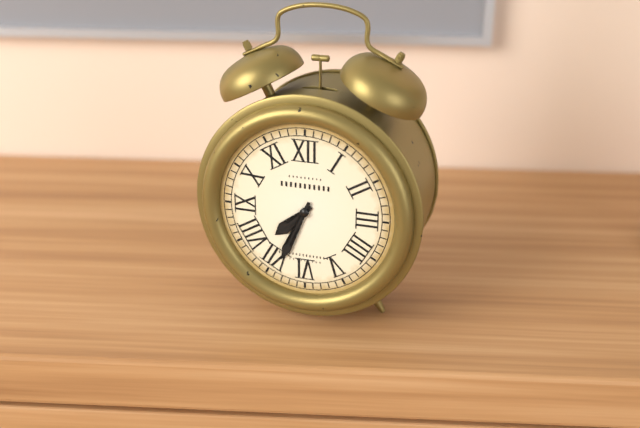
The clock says 7:34
